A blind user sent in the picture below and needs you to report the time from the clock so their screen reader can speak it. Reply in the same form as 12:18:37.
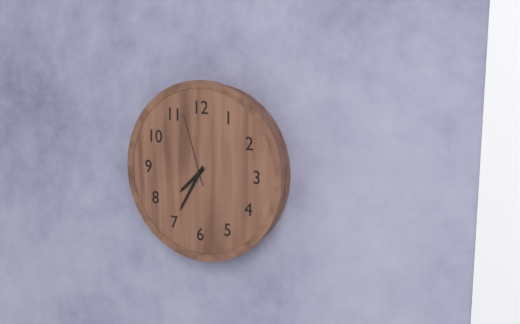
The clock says 7:35:57
